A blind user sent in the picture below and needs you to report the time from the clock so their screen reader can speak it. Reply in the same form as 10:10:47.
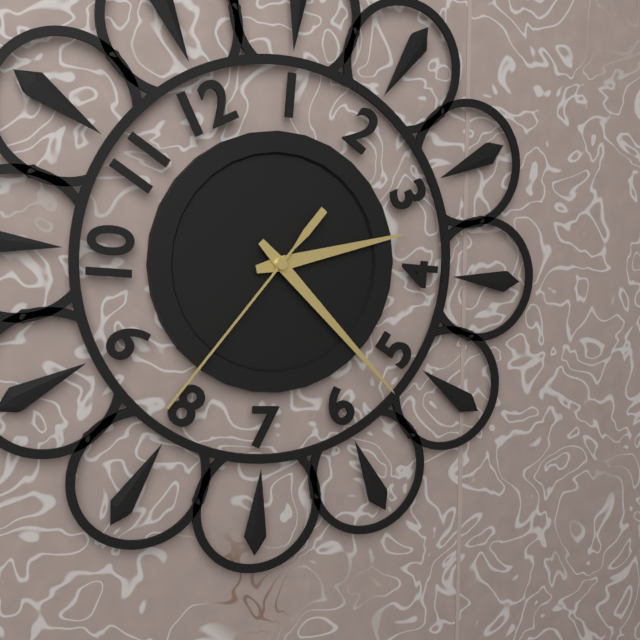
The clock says 3:27:41
